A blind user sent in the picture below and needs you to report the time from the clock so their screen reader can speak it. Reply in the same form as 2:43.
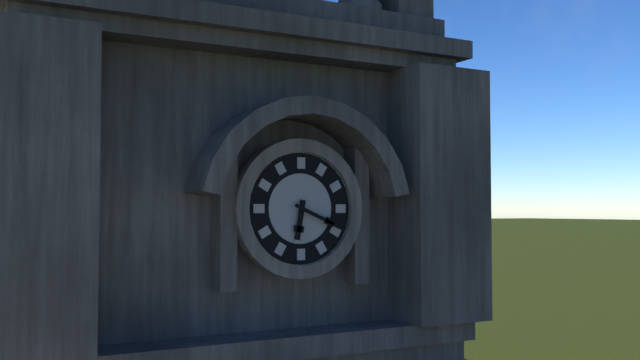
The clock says 6:19
